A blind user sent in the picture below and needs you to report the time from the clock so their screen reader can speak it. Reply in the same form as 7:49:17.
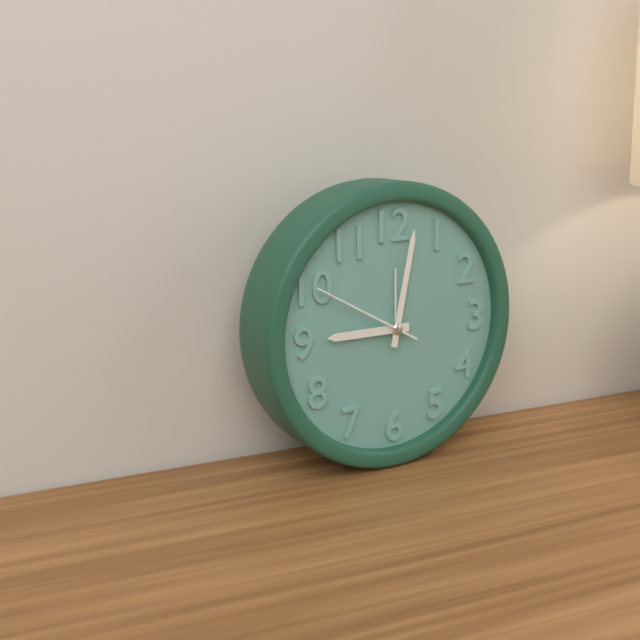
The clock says 9:02:50
